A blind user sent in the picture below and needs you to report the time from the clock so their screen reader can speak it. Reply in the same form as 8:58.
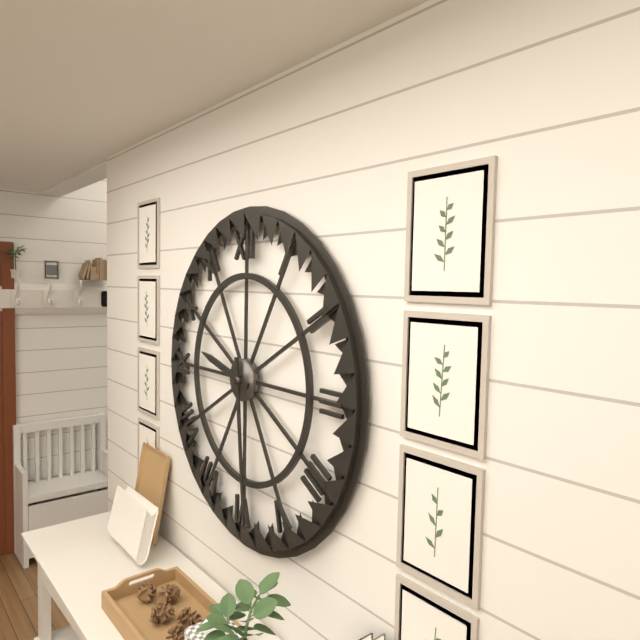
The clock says 9:29
